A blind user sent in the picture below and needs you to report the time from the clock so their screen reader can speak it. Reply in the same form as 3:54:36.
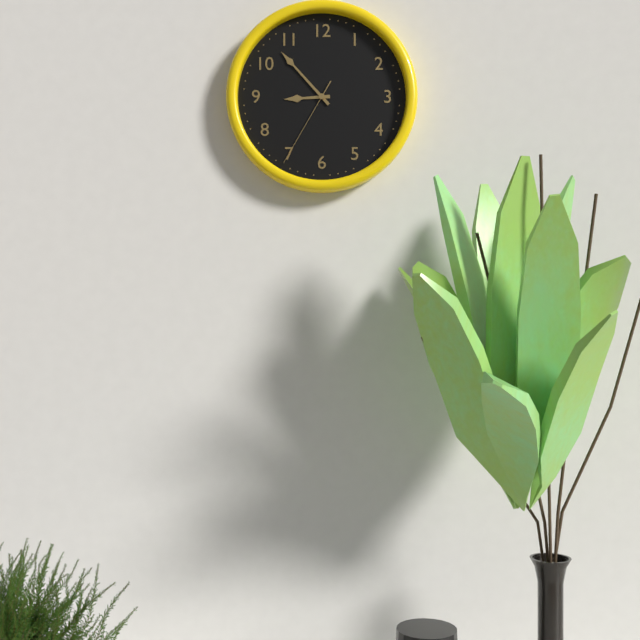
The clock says 8:53:35
